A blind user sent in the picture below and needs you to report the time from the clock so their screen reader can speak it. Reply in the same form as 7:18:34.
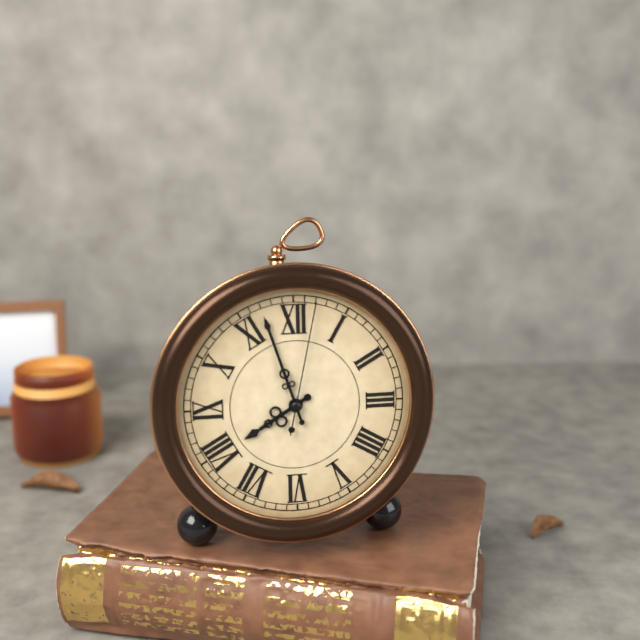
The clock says 7:57:02
